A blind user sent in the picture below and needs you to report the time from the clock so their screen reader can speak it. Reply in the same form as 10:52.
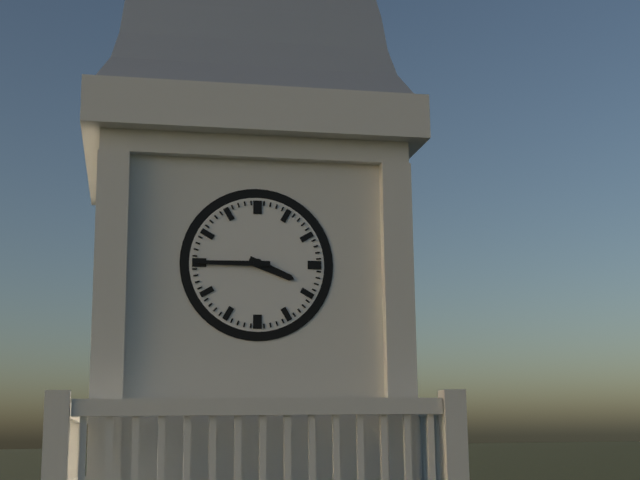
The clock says 3:45
